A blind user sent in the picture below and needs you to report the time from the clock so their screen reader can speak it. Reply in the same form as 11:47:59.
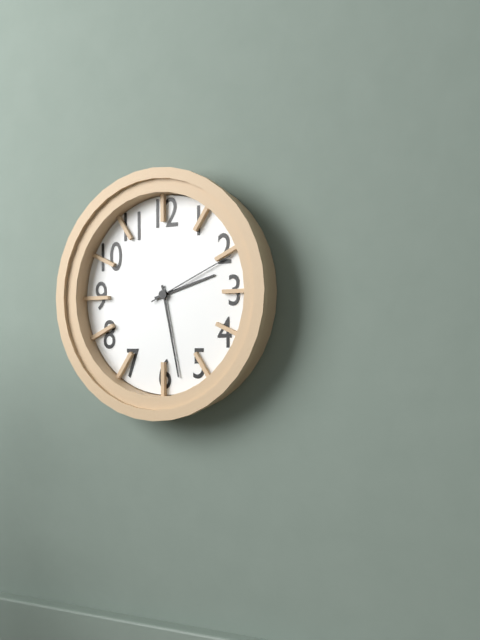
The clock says 2:28:11
